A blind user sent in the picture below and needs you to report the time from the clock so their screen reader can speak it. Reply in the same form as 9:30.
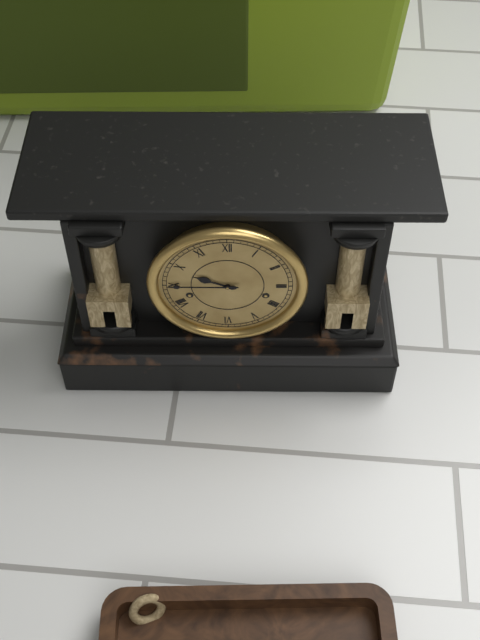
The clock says 9:45
